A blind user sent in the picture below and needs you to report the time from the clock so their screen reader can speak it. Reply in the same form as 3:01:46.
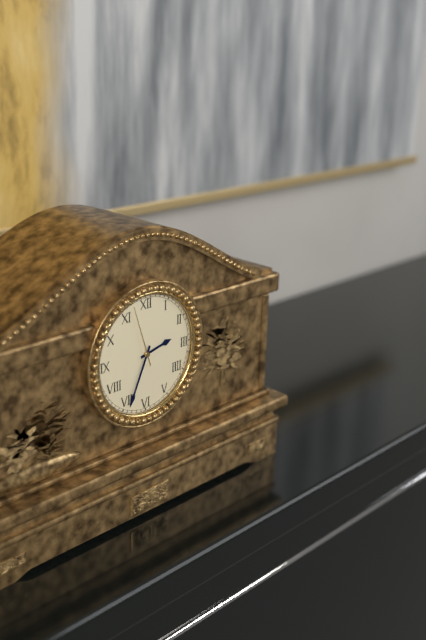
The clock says 2:34:57
